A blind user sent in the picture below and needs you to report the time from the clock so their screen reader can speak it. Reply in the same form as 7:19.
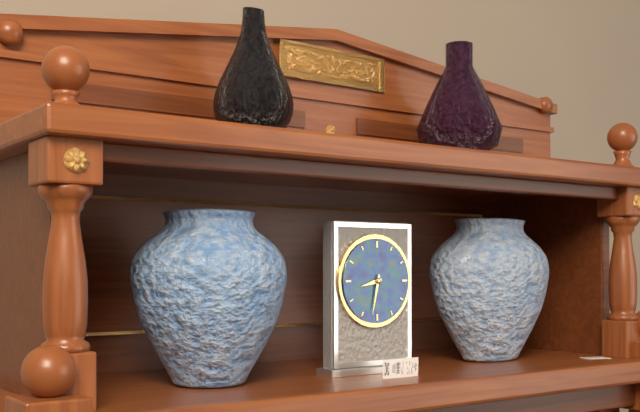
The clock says 8:32
